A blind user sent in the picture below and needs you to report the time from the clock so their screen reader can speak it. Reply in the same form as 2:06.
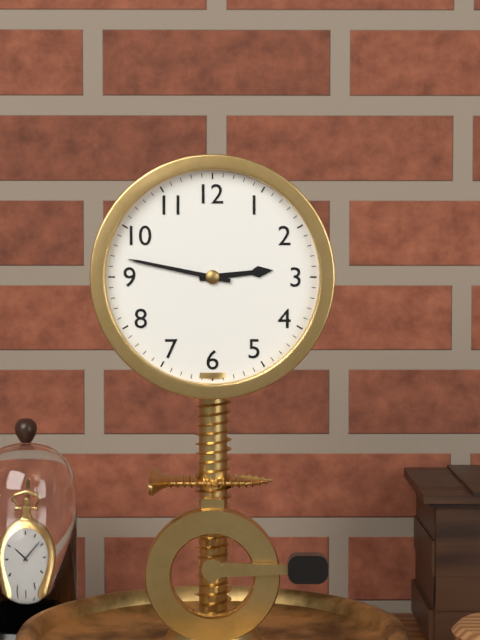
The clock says 2:47
